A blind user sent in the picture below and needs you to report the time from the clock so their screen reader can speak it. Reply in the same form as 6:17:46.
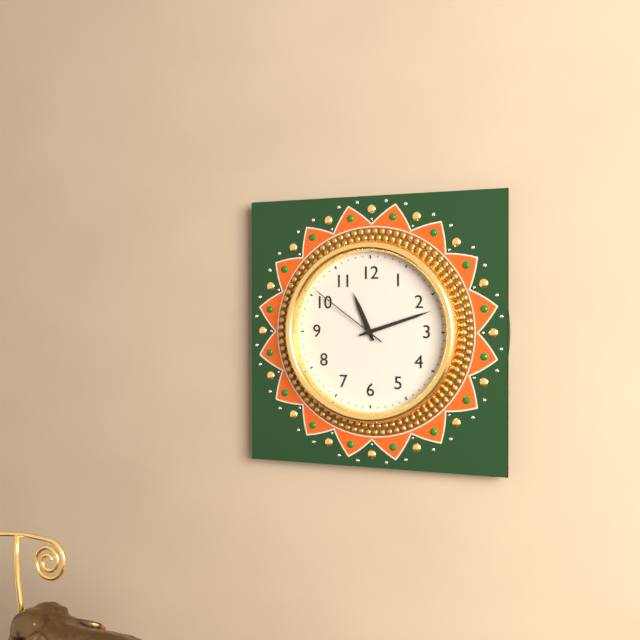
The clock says 11:12:51
